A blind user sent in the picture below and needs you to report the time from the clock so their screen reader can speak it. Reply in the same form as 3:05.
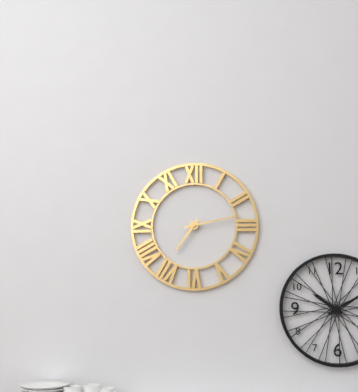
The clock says 7:13
